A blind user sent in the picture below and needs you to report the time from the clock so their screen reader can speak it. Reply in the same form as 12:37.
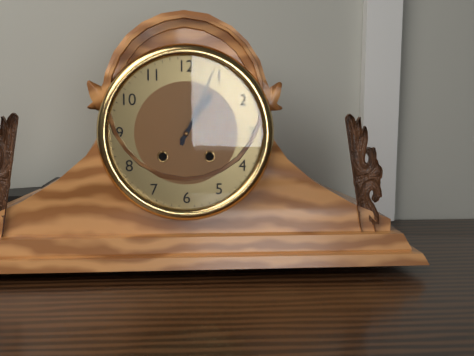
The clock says 1:04
